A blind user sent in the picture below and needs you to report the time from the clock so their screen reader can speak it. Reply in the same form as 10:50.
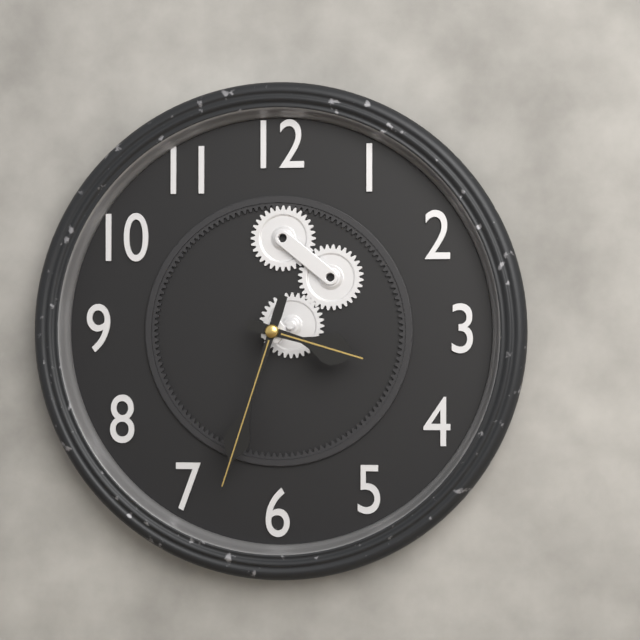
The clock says 3:33
